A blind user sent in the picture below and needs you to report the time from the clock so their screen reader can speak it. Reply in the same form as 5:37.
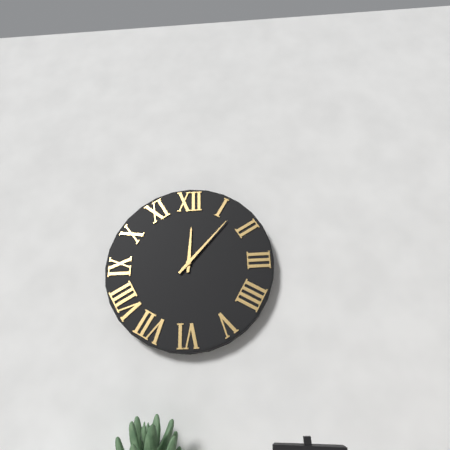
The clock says 12:07
